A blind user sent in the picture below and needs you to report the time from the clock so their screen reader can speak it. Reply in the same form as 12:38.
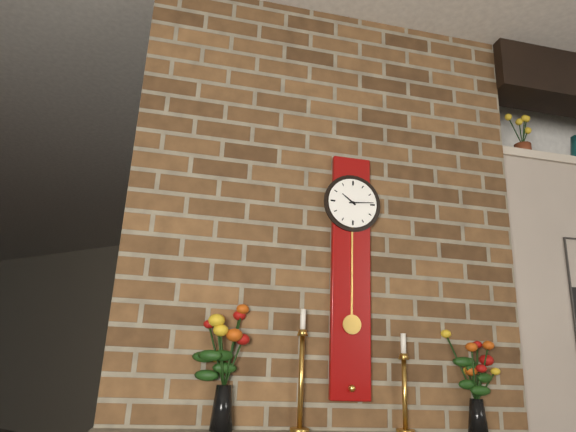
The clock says 10:14
